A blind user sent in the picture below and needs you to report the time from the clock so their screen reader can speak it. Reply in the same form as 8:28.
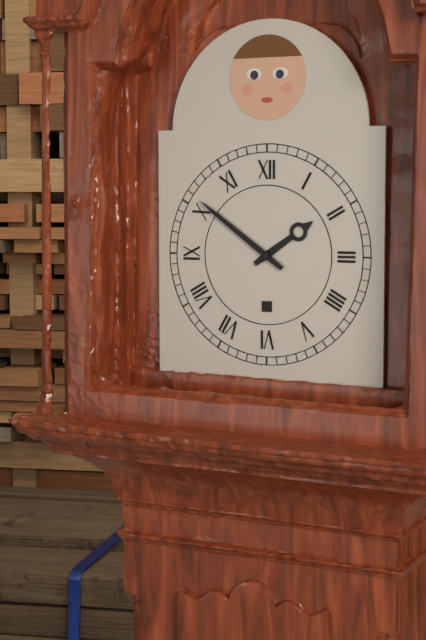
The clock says 1:51
